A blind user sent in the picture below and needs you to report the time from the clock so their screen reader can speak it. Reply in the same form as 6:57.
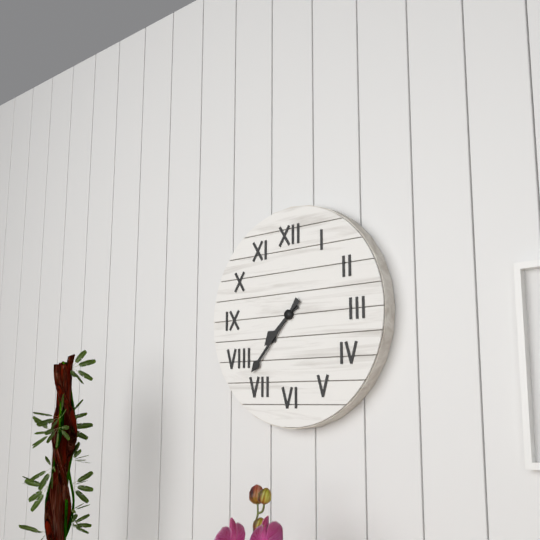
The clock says 7:37
